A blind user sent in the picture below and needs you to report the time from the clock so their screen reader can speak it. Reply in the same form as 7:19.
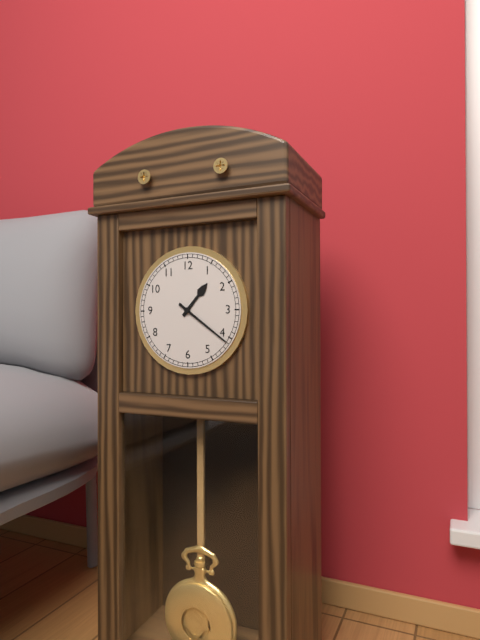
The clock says 1:21
